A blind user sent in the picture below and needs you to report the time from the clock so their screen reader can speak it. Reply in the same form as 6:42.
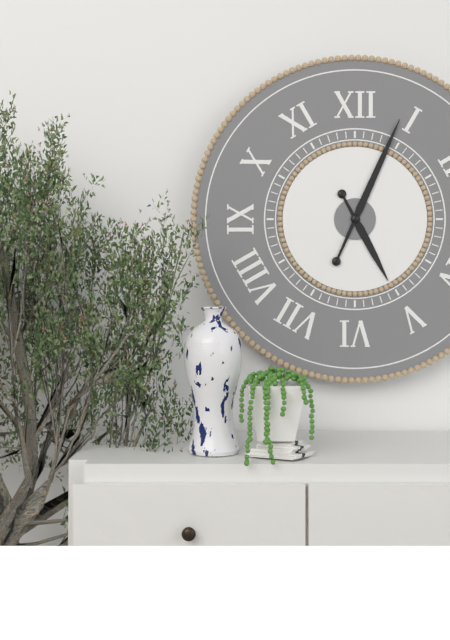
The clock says 5:04
